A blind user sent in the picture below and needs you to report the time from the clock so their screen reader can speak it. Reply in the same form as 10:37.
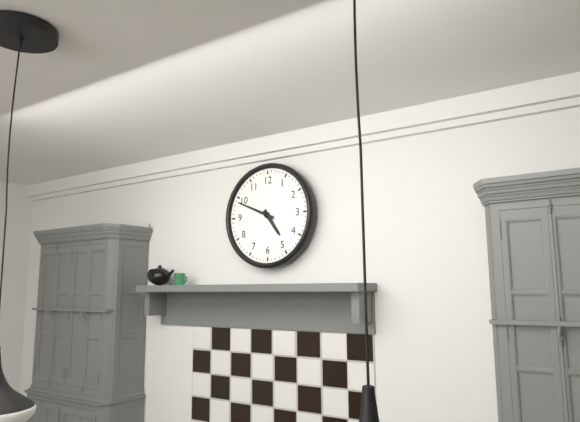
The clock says 4:49
